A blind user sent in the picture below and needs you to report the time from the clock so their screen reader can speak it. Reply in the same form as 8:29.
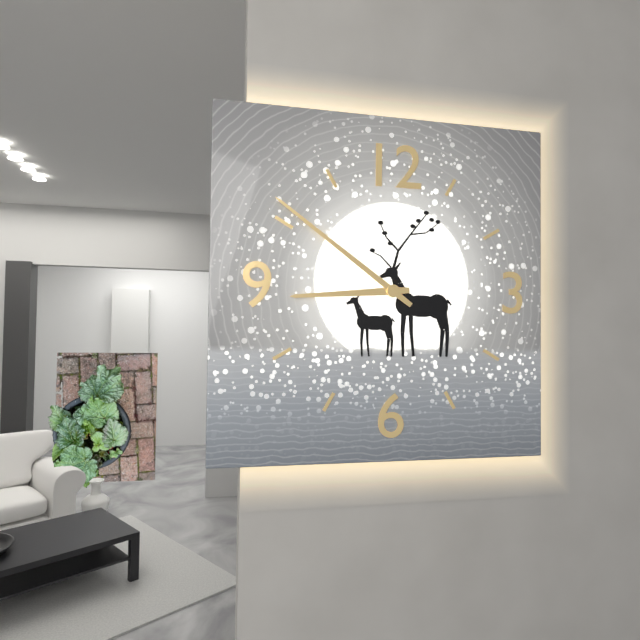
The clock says 8:51
